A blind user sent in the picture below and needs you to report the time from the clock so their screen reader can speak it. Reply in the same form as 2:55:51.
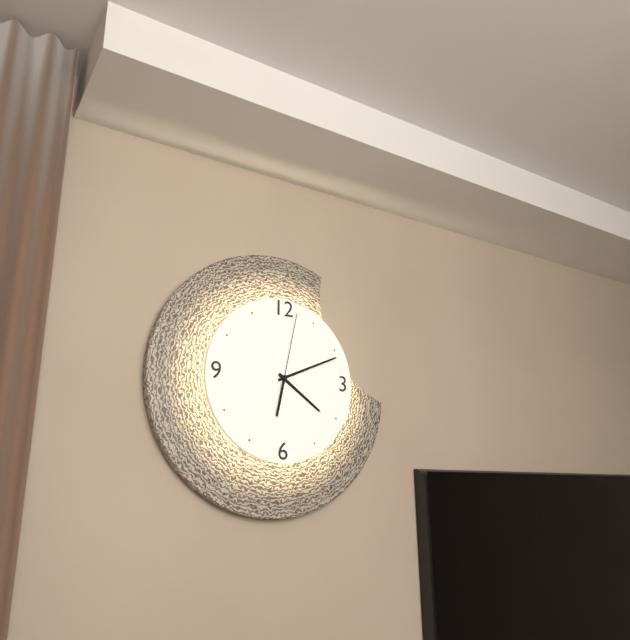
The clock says 4:11:02
